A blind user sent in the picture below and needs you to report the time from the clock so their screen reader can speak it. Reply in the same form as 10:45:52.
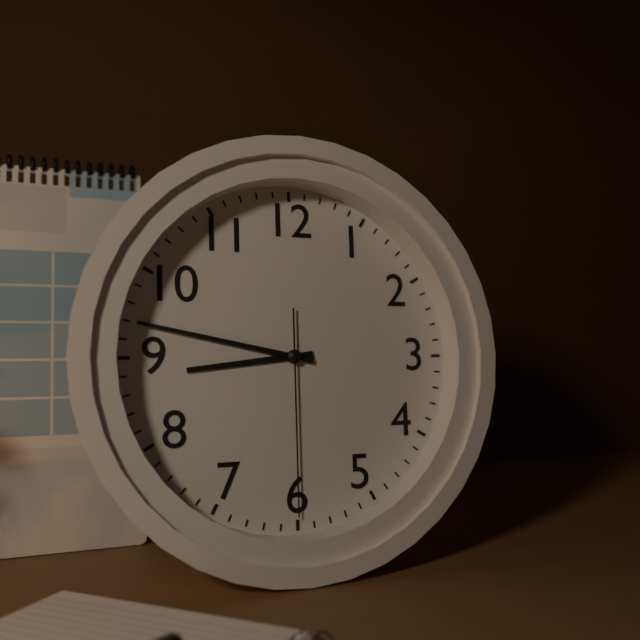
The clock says 8:47:30
